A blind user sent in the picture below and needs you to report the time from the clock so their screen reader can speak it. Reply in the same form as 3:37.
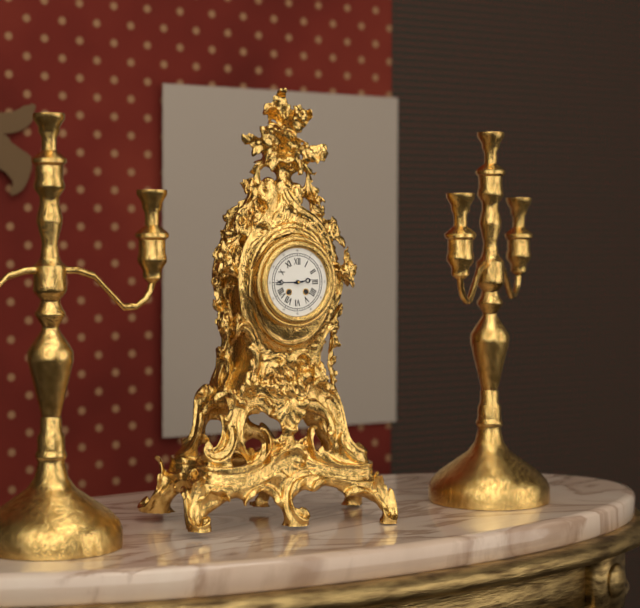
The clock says 2:45
